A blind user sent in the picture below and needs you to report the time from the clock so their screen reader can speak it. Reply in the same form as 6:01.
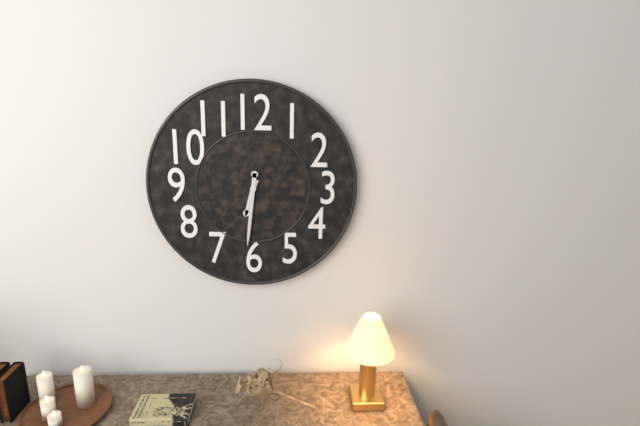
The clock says 6:31
